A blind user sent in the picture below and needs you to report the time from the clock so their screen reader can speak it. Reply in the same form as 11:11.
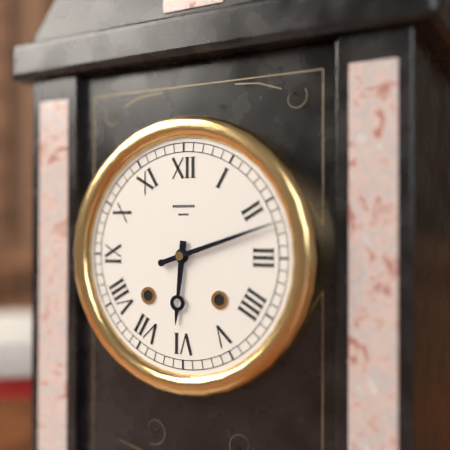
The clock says 6:12
